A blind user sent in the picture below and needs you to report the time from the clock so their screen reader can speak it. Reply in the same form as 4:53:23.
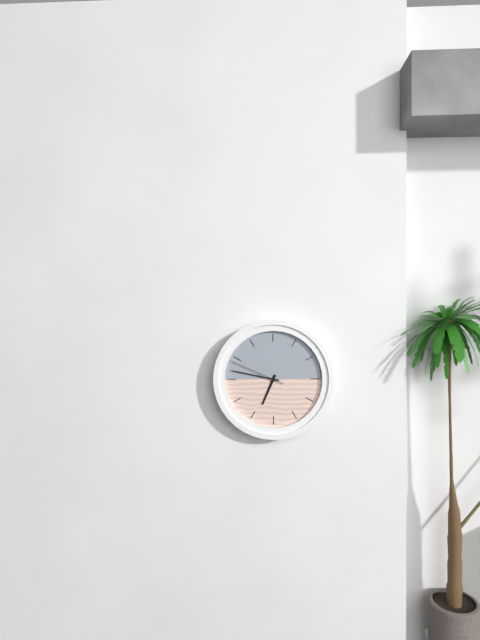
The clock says 6:47:49
